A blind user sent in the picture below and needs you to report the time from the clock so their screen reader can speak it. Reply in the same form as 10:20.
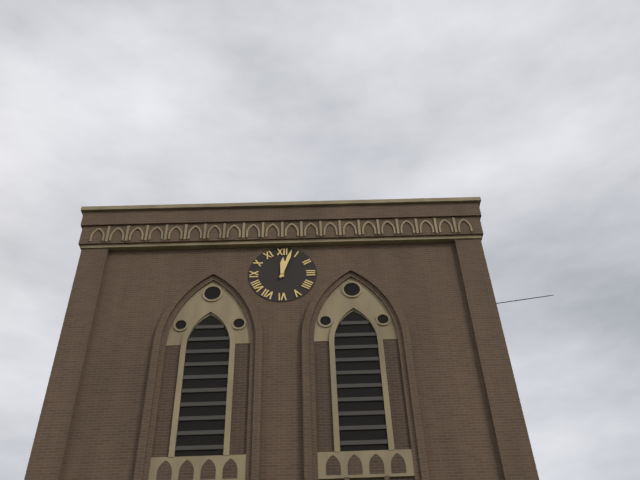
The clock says 12:03
